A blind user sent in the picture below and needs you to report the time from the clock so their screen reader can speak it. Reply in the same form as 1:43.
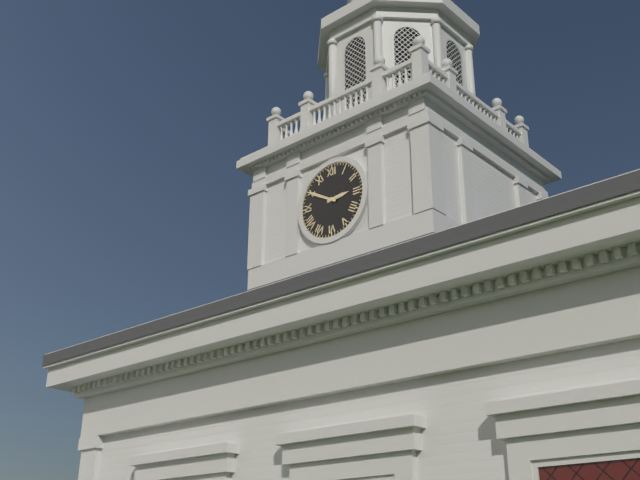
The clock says 2:50
